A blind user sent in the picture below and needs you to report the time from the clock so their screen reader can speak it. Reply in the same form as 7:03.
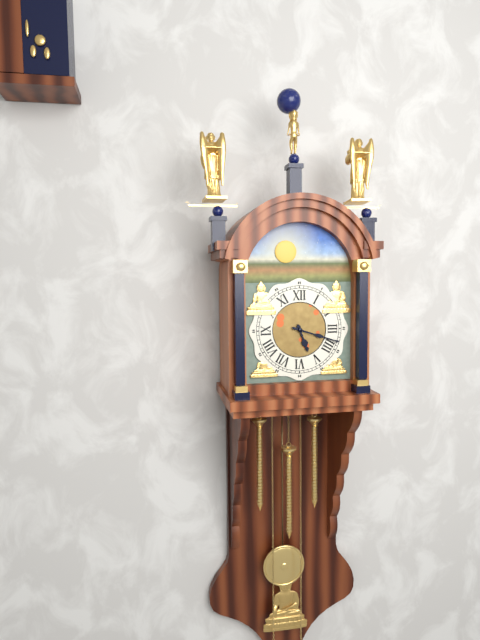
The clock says 5:18
